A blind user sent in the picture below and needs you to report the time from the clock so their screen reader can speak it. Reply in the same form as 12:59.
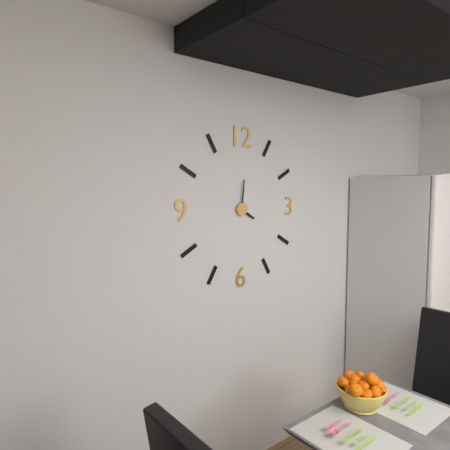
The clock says 4:01
